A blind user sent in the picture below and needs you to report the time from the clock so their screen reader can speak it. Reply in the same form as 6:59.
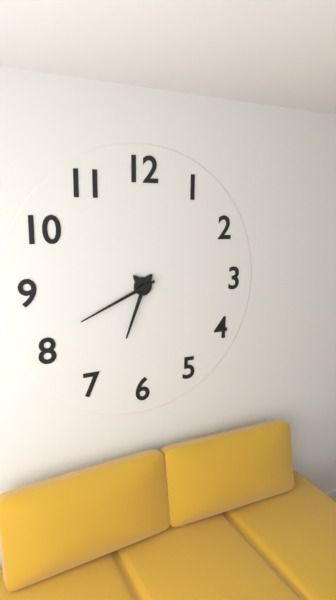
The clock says 6:41
